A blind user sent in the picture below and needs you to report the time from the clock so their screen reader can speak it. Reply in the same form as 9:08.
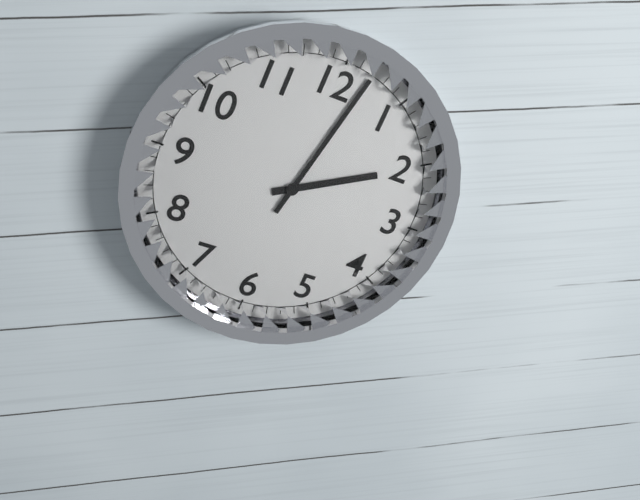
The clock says 2:02
